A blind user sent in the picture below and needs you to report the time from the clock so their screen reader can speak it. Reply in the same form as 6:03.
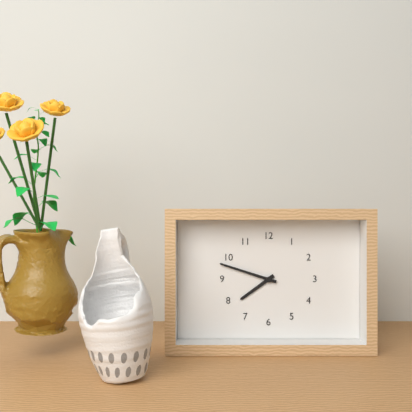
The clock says 7:48
